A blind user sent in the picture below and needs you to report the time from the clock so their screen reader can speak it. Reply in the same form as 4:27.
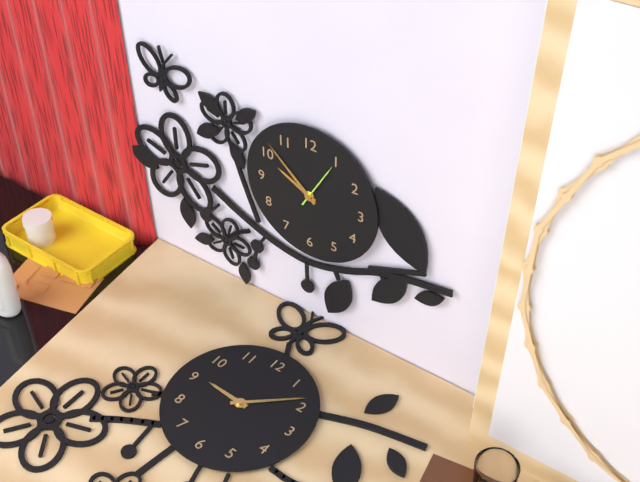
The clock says 9:52
